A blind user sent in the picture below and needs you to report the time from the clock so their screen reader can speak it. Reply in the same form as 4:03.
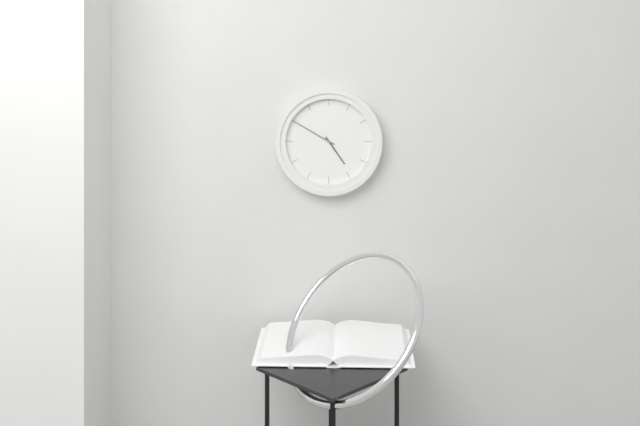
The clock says 4:50
